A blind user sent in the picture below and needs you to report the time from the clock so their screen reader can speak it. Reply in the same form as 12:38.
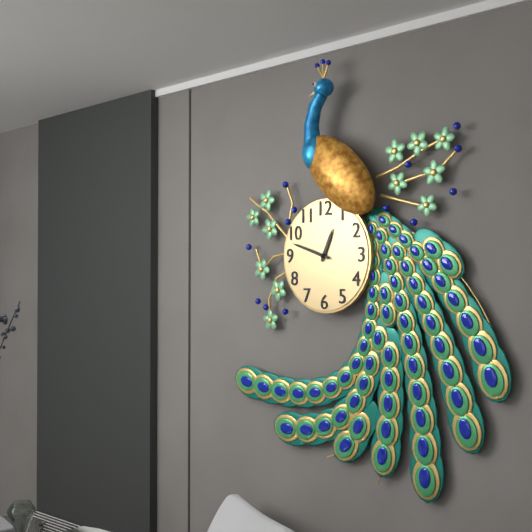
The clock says 12:48
